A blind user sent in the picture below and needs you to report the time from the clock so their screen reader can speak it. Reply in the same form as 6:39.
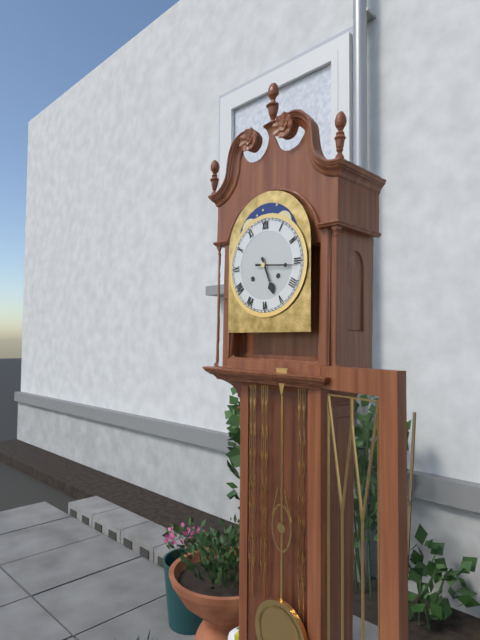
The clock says 5:16
